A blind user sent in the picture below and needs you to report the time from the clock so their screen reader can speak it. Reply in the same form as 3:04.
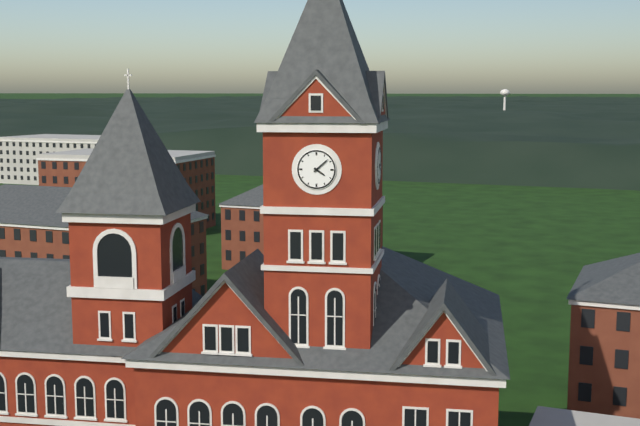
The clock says 4:08
